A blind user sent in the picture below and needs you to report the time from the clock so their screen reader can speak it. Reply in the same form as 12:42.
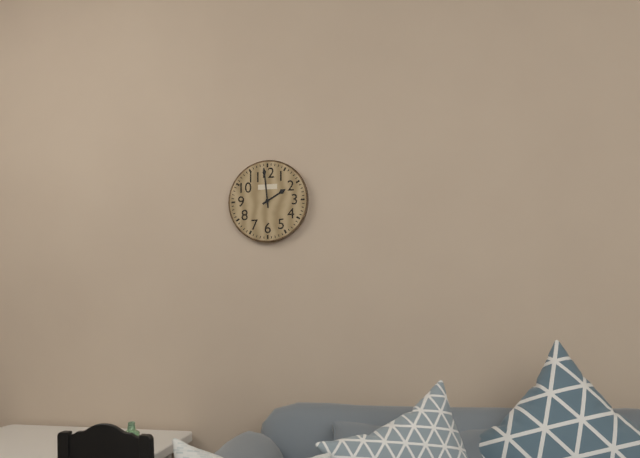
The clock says 1:59
